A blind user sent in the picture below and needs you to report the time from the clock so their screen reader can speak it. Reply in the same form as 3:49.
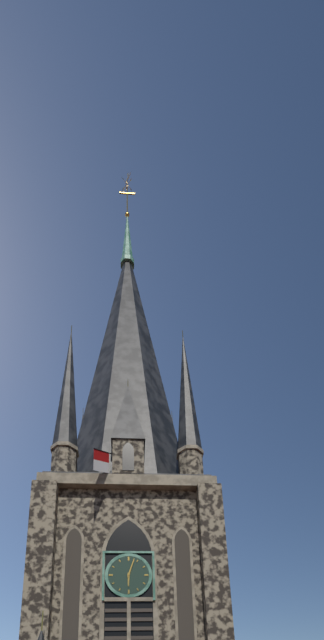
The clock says 6:03
